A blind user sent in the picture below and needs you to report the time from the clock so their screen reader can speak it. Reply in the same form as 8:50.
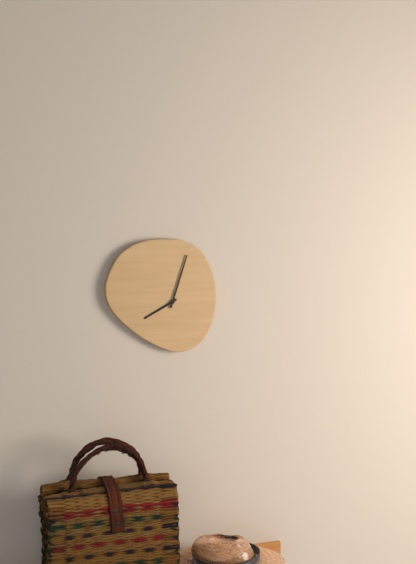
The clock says 8:03
